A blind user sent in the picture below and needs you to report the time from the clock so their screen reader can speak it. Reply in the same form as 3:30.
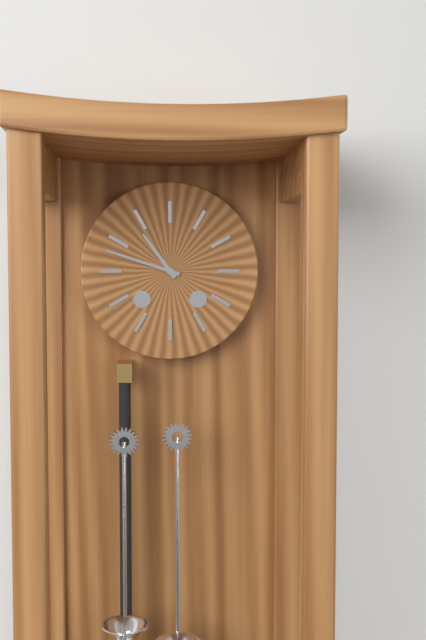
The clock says 10:48
